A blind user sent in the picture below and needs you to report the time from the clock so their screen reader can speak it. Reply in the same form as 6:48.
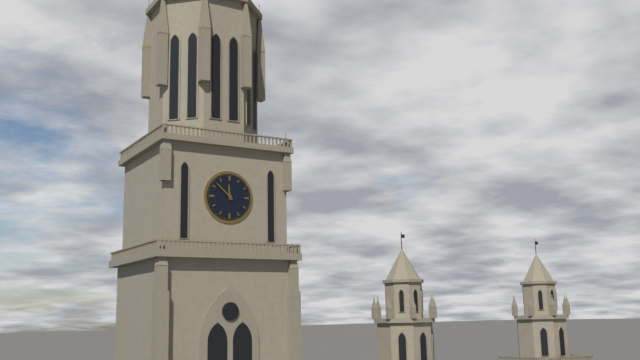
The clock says 11:52
